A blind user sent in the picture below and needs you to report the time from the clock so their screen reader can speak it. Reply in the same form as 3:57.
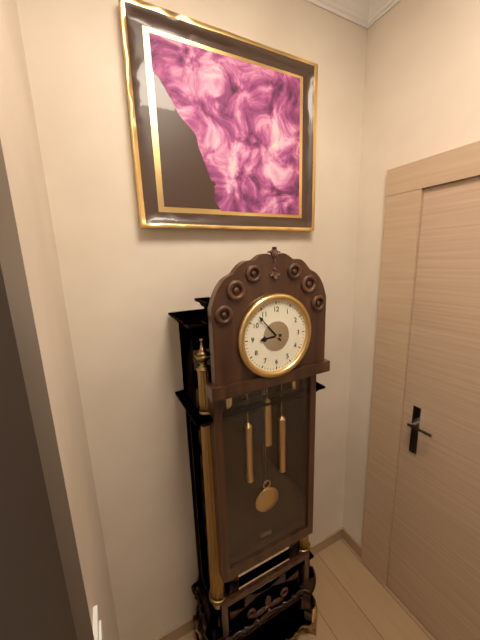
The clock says 8:53
